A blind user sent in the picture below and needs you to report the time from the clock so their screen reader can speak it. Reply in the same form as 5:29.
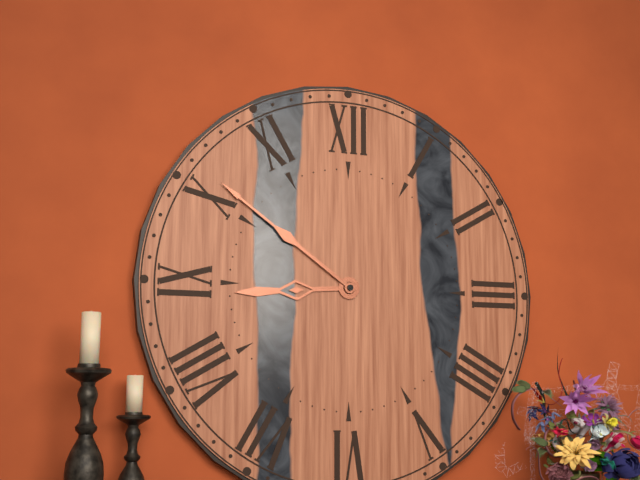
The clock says 8:51
